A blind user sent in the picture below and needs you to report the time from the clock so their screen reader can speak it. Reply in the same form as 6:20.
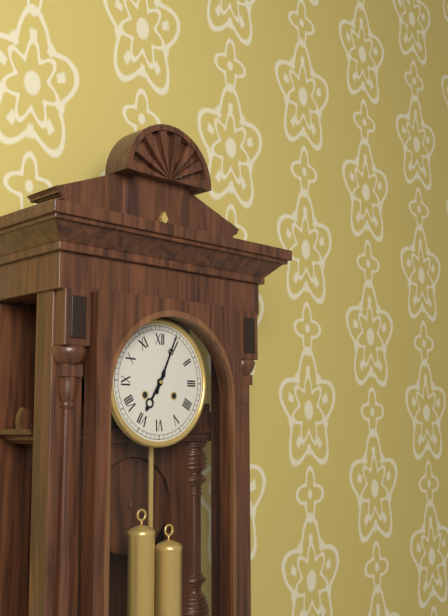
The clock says 7:04
